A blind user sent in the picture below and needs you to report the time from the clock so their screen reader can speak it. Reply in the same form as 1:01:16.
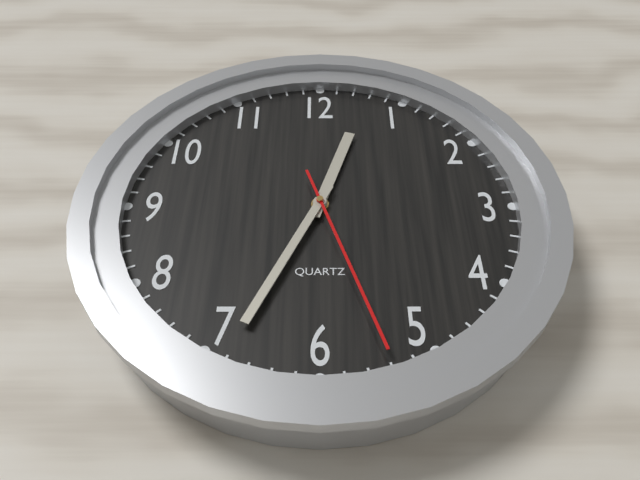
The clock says 12:34:27
